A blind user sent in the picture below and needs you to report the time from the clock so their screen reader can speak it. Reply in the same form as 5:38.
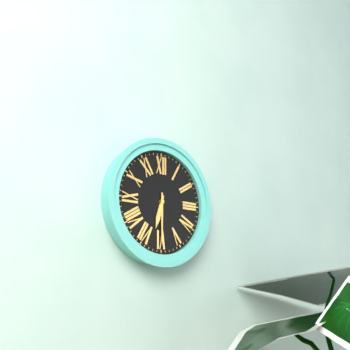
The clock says 6:30
